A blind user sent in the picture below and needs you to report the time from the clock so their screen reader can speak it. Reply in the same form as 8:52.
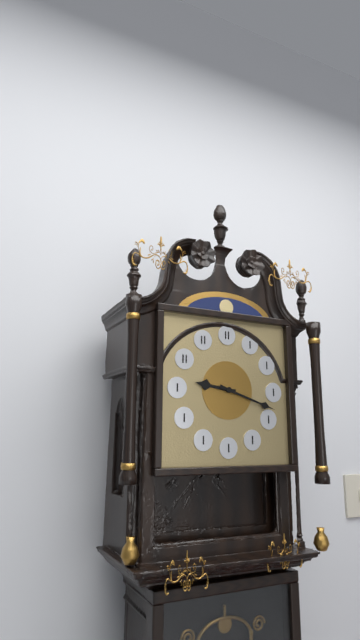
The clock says 9:18
